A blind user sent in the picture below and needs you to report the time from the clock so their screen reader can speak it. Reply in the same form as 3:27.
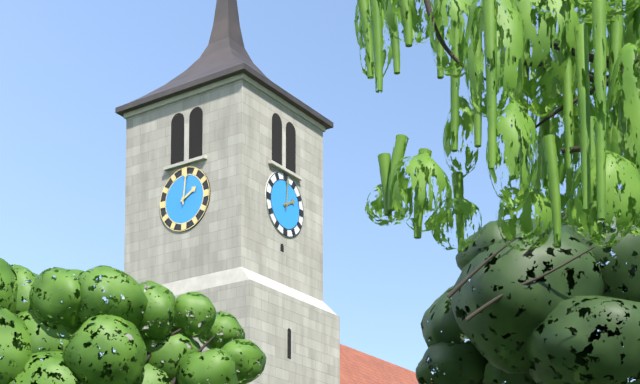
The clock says 2:01
